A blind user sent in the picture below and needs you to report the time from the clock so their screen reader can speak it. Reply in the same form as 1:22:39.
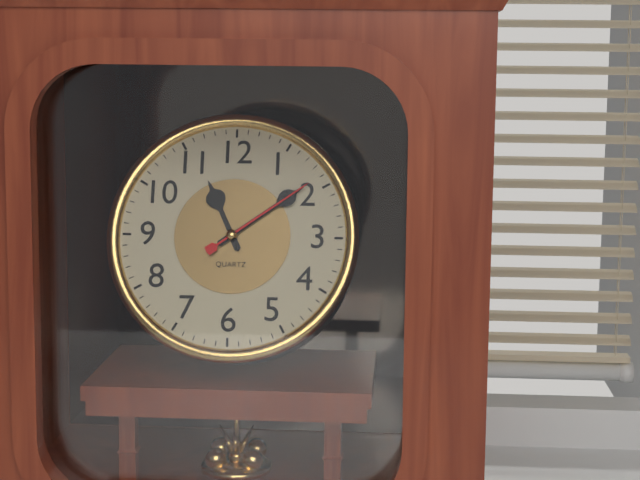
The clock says 11:09:09
